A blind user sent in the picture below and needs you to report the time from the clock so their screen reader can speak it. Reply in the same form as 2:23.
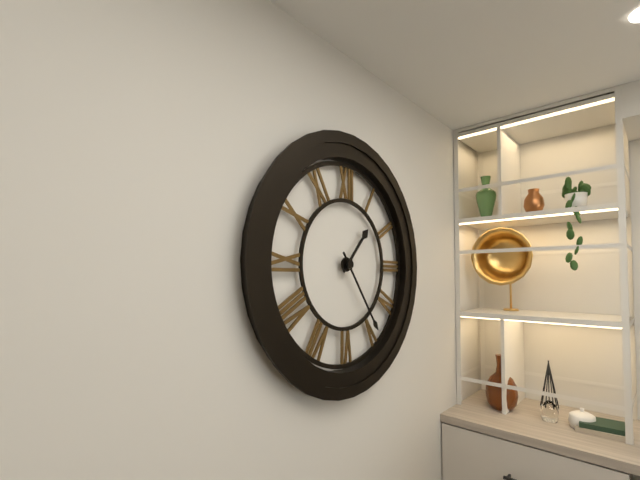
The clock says 1:24
